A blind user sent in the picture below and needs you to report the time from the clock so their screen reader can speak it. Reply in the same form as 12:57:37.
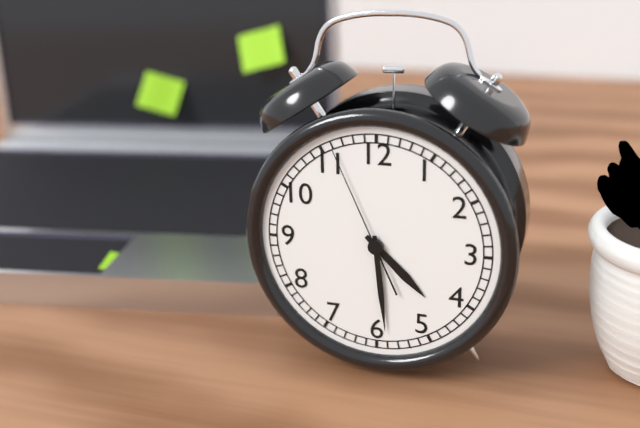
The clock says 4:29:56
